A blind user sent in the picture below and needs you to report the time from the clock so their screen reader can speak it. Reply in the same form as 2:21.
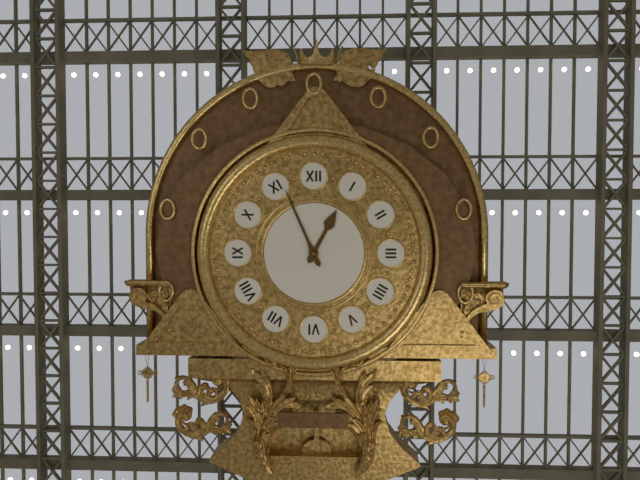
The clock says 12:56
